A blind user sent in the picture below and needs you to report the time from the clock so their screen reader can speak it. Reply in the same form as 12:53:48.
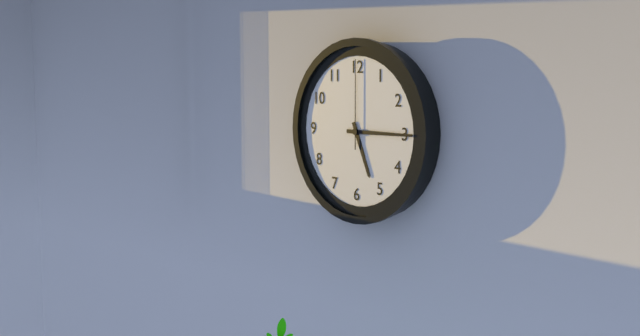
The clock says 5:15:00
